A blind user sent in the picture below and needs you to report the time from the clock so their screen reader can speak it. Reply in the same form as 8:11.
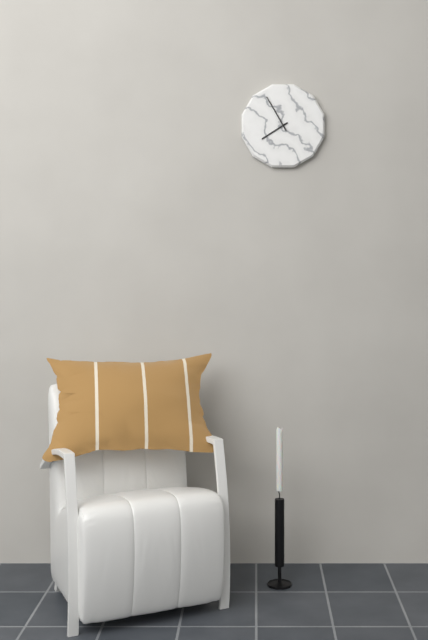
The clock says 7:55
